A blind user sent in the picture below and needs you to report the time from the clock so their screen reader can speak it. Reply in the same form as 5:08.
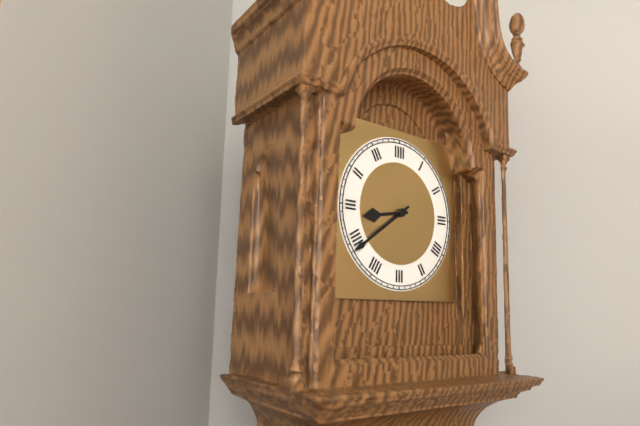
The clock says 8:39
